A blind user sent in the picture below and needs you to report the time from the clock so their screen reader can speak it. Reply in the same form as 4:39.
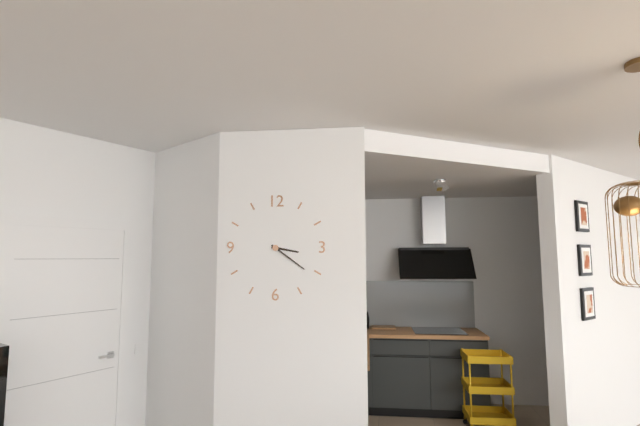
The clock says 3:21
